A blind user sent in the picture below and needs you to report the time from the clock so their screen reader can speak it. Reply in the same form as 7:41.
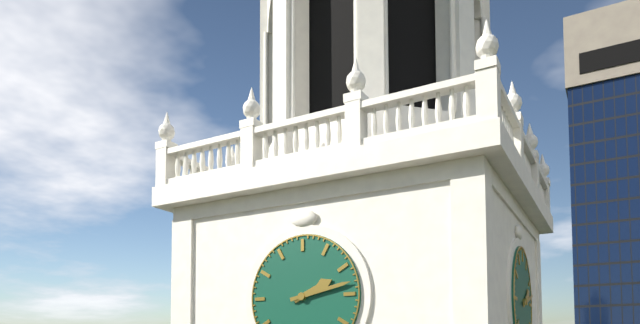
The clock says 2:13
